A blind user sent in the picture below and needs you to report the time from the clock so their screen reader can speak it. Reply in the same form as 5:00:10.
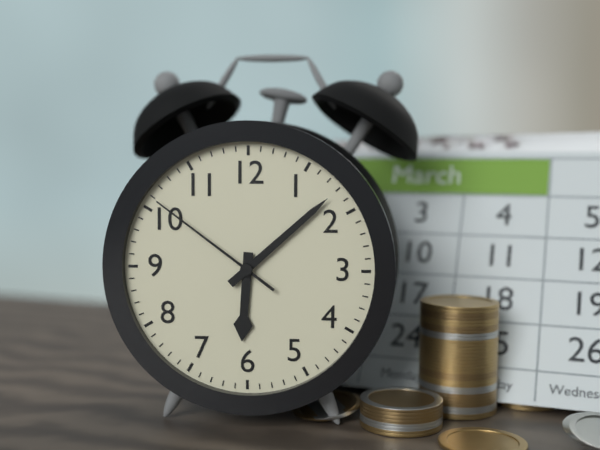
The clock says 6:08:51
